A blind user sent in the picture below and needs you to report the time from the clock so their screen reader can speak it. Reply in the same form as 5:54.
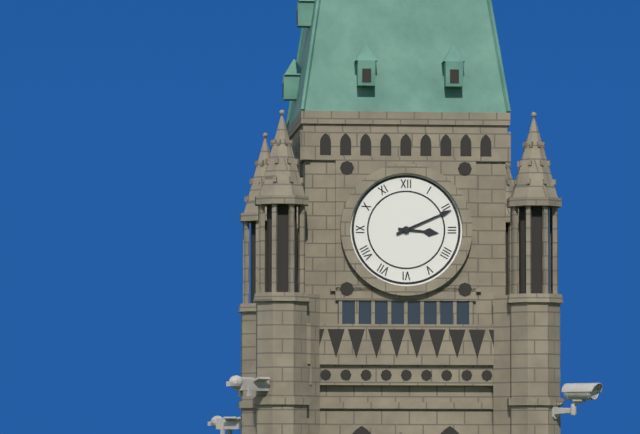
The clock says 3:11
